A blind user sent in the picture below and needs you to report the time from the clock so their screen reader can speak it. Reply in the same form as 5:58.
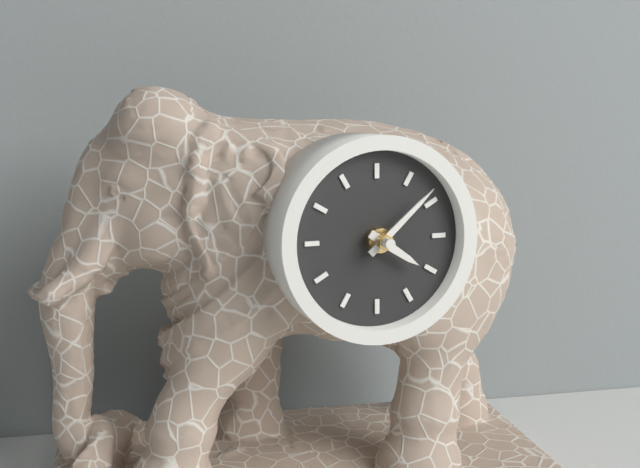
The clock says 4:08
